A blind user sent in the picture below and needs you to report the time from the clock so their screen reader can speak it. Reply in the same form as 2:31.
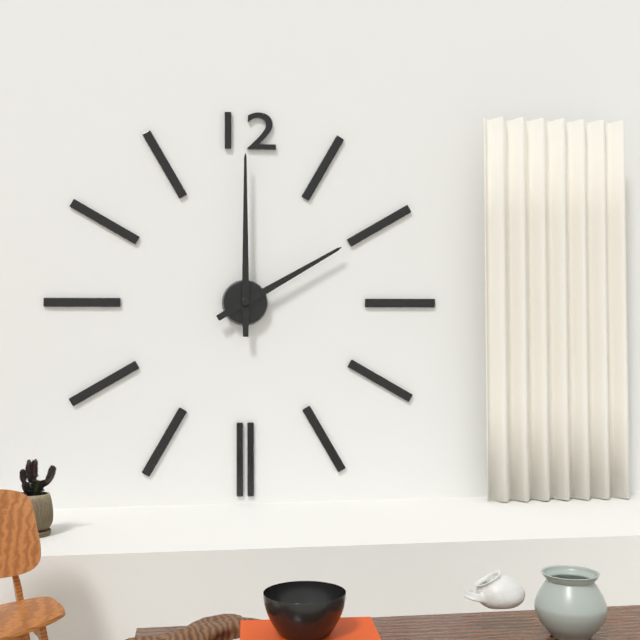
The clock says 2:00
